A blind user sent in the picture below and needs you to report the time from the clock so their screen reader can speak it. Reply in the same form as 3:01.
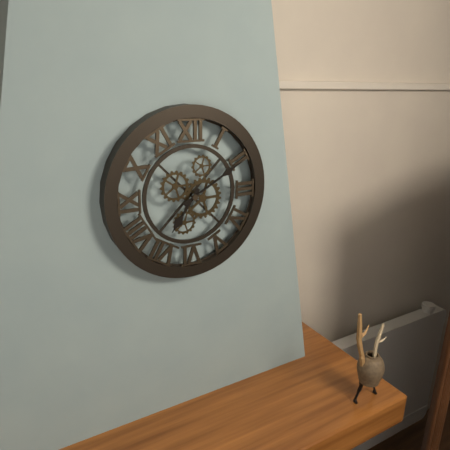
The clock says 7:10
